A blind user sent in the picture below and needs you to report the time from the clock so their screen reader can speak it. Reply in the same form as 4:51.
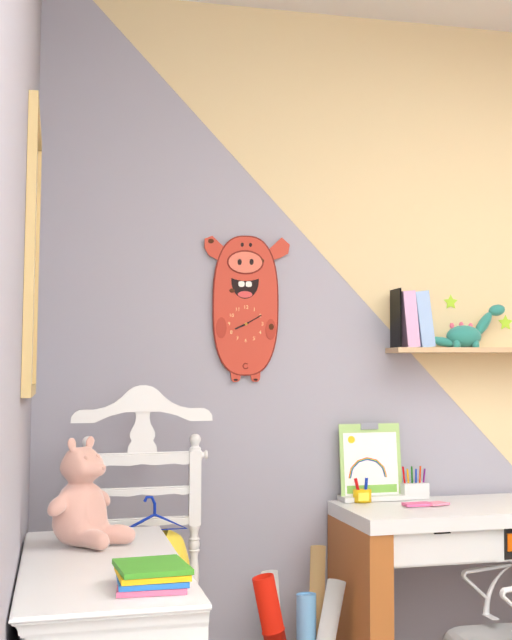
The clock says 8:10
